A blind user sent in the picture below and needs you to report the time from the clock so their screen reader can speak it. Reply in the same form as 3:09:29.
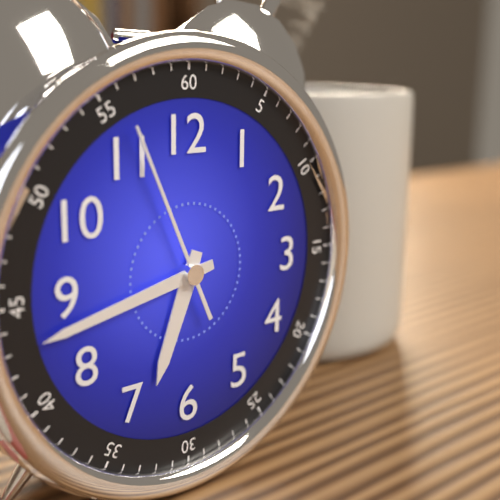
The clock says 6:43:56
